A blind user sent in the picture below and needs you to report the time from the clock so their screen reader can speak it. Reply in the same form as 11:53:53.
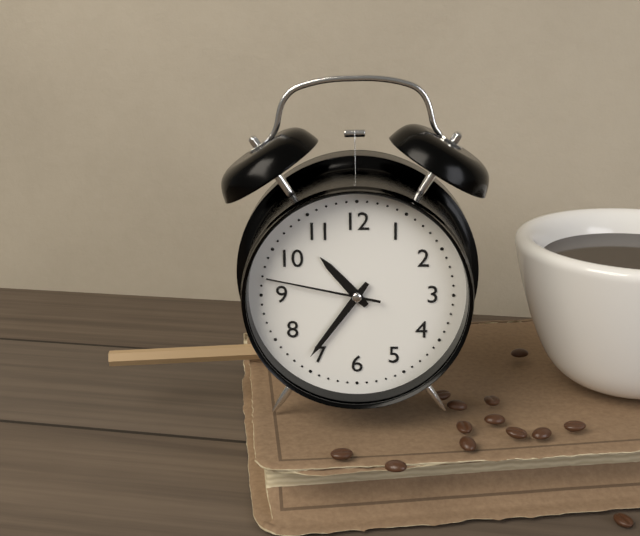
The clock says 10:36:47
